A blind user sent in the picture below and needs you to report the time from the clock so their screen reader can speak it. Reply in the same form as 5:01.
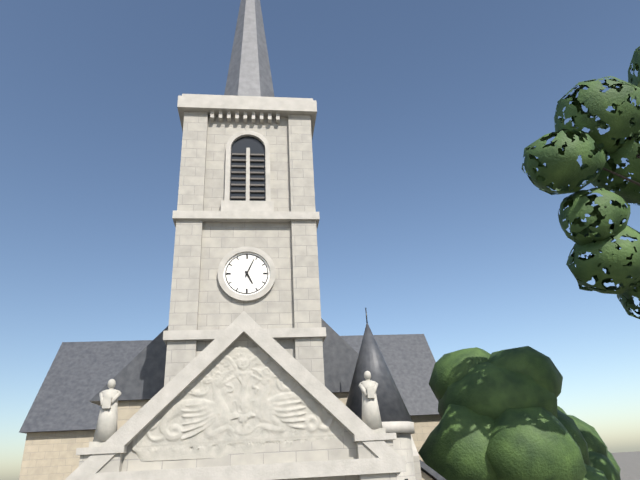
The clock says 5:04
